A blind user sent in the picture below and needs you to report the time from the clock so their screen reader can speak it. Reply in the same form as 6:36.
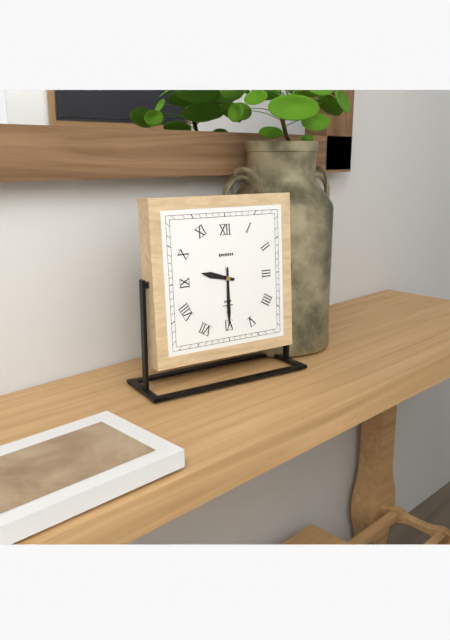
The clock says 9:30
